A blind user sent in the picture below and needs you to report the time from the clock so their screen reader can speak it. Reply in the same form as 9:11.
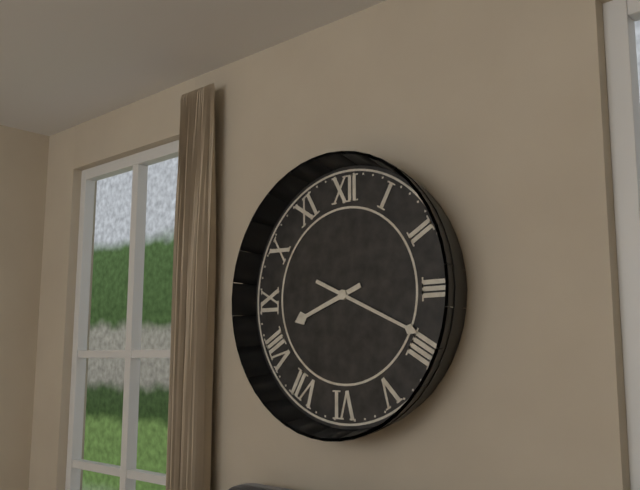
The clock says 8:19
